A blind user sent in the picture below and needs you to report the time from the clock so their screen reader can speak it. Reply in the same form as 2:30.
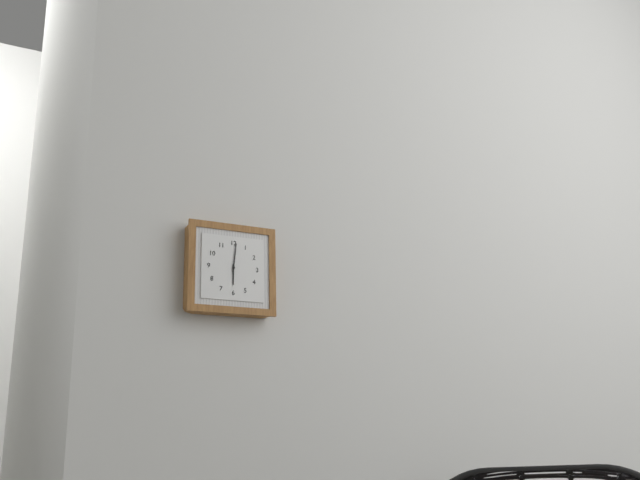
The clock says 6:01
